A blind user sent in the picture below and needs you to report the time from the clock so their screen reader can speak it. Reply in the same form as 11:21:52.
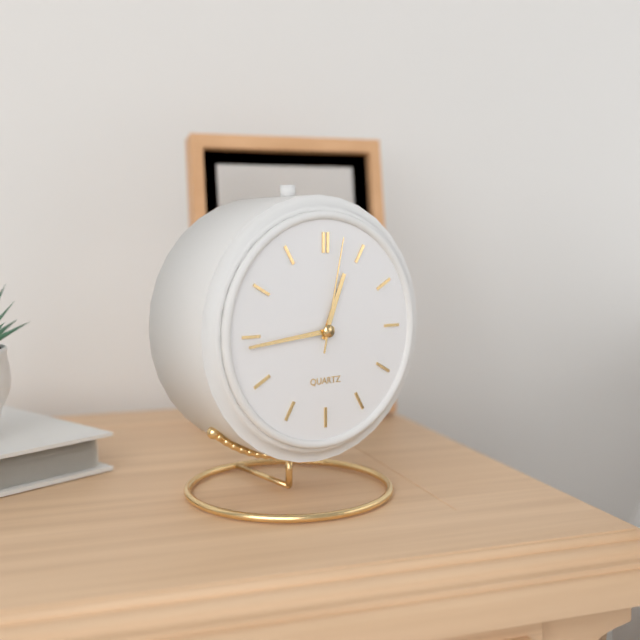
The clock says 12:44:02
